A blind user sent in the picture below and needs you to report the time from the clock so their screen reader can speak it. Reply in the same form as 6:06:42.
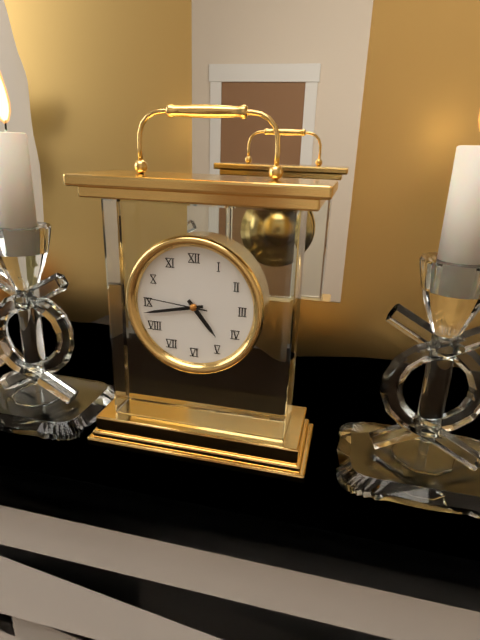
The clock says 4:43:46
